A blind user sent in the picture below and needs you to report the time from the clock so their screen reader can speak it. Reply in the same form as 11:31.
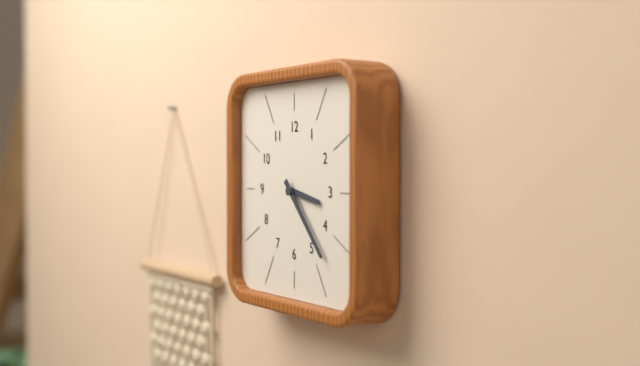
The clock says 3:23
